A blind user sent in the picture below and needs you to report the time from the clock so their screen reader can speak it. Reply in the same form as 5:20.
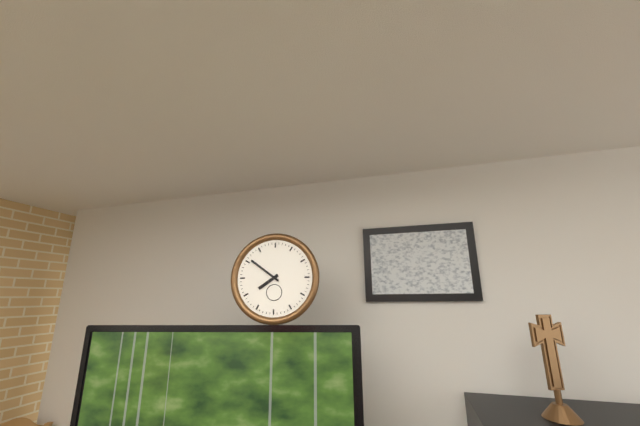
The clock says 7:51
